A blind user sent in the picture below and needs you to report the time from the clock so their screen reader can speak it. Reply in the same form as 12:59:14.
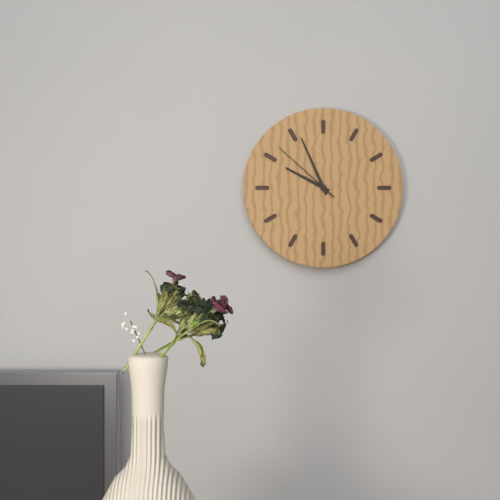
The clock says 9:56:52
